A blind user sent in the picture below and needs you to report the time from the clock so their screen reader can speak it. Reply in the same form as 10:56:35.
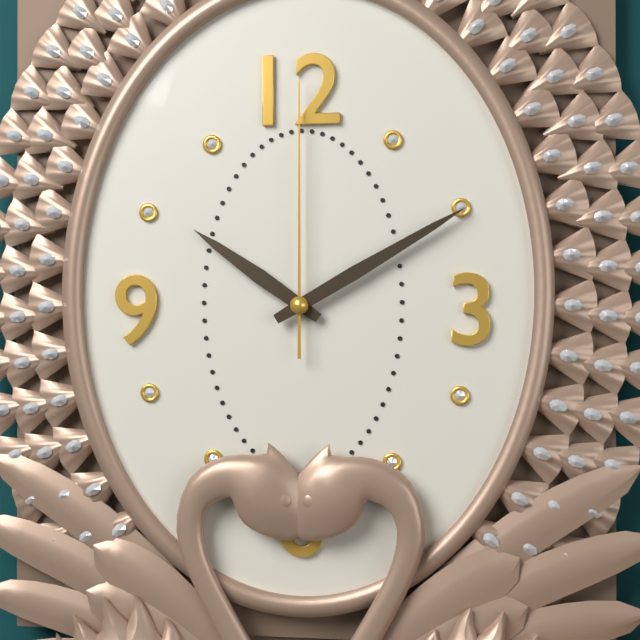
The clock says 10:10:00
